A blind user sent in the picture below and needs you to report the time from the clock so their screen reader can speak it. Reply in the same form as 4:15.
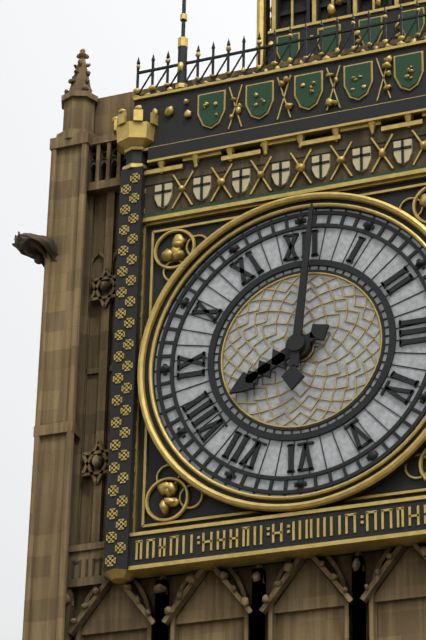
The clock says 8:01
